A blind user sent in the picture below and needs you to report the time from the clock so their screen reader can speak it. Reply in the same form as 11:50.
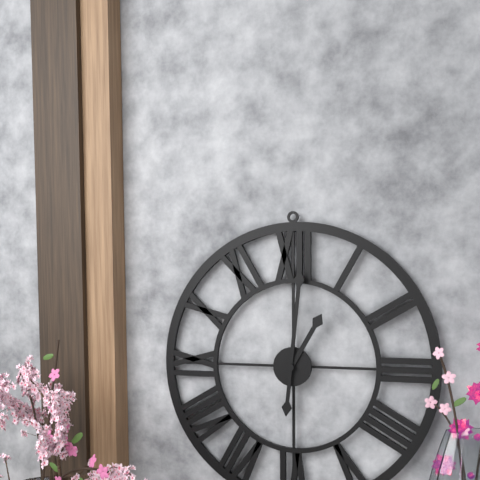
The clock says 1:01
